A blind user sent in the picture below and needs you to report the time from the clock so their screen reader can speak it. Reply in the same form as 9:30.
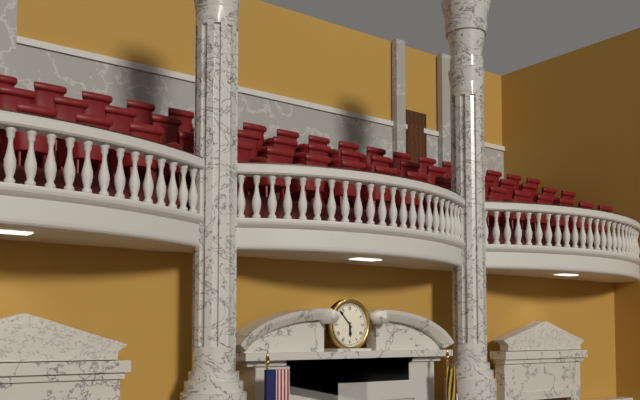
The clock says 5:53
